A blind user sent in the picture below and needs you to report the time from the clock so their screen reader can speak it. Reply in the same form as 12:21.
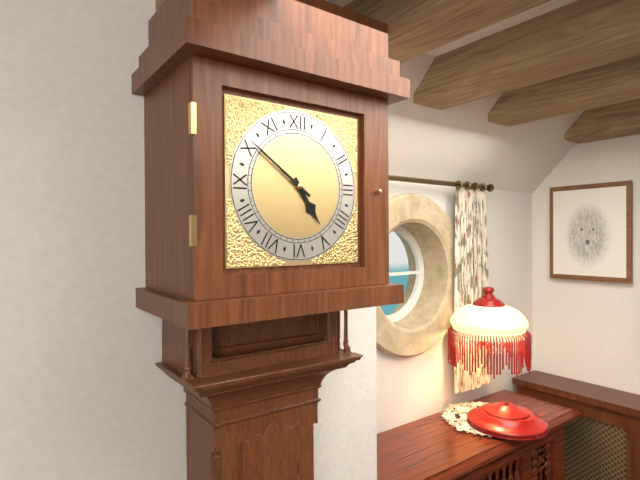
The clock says 4:51
